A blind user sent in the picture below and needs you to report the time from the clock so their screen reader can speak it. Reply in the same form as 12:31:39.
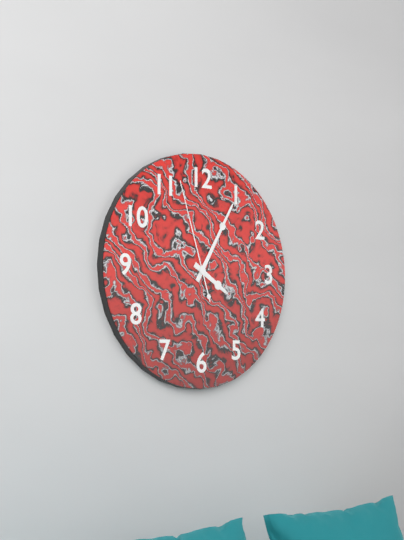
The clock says 4:05:57
